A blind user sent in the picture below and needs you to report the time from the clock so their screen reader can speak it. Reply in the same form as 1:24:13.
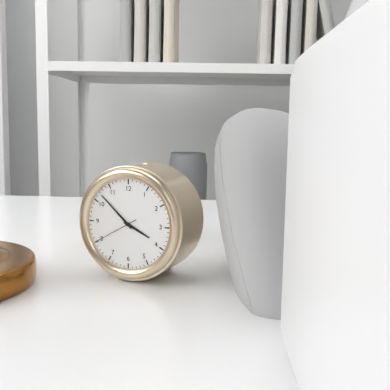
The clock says 3:52:40
